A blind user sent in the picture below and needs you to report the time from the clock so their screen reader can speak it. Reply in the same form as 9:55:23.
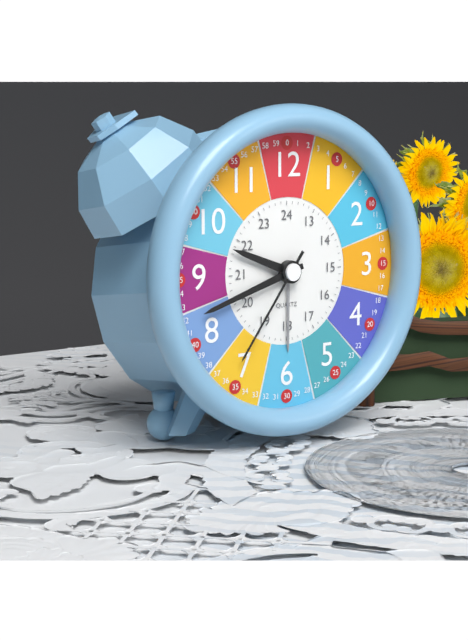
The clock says 9:42:36
